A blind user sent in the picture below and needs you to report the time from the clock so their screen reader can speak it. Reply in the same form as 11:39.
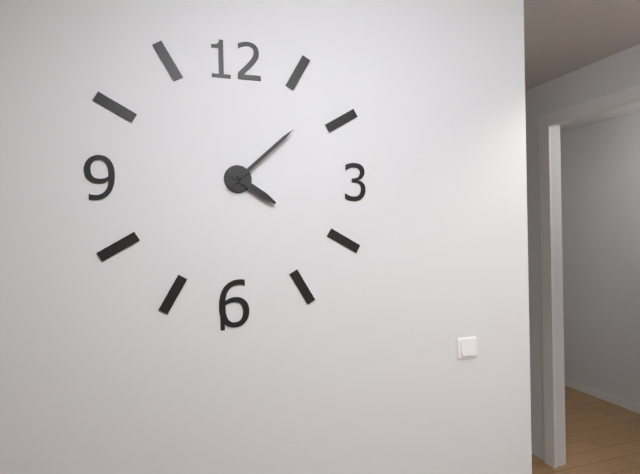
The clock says 4:08
